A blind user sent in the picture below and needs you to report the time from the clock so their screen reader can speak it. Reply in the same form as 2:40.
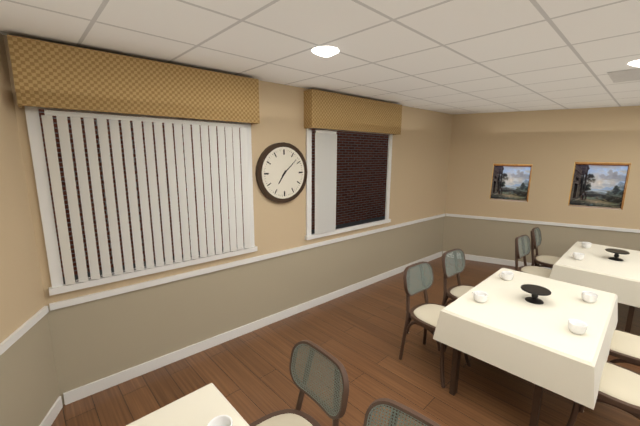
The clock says 7:08
